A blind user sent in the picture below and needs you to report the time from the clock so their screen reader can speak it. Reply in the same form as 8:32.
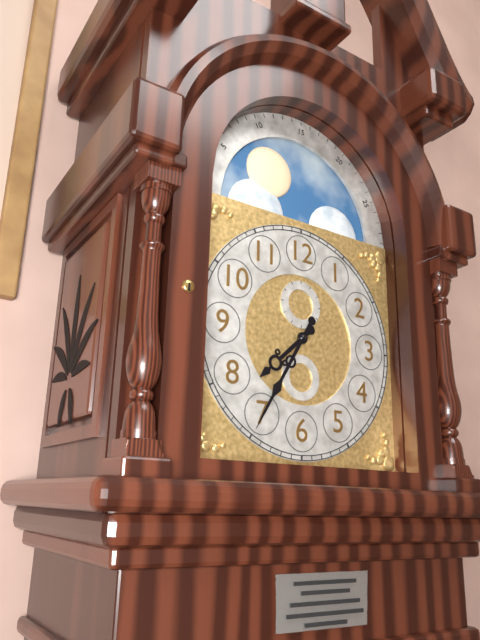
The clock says 7:35
